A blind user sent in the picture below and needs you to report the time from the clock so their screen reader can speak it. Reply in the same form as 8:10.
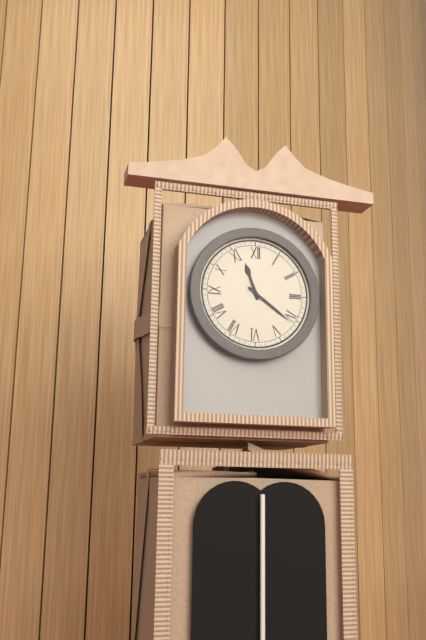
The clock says 11:21
